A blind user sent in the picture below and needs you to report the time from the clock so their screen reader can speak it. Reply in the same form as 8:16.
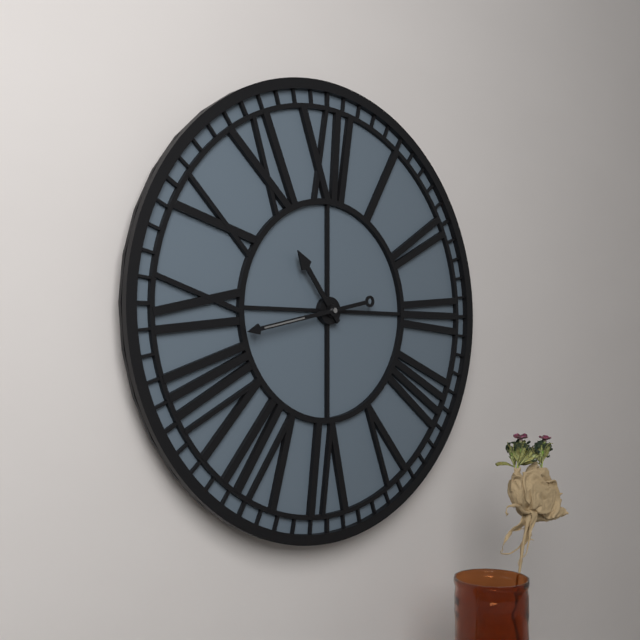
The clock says 10:43
